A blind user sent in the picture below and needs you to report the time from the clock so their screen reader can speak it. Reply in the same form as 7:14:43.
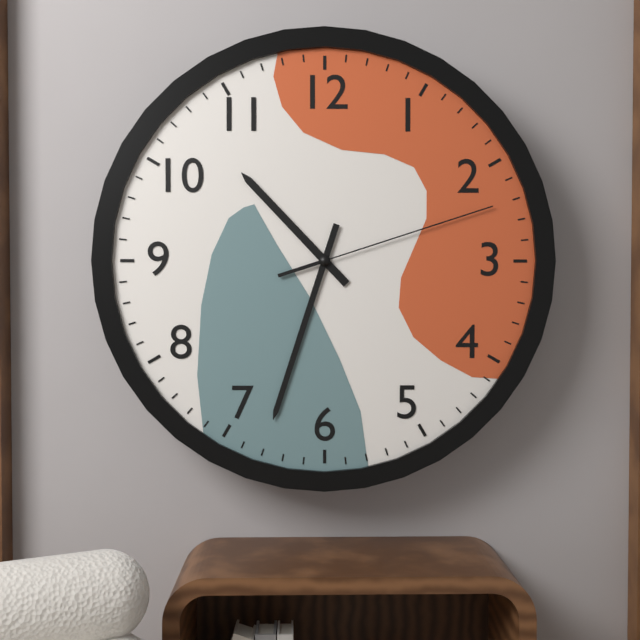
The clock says 10:33:12
